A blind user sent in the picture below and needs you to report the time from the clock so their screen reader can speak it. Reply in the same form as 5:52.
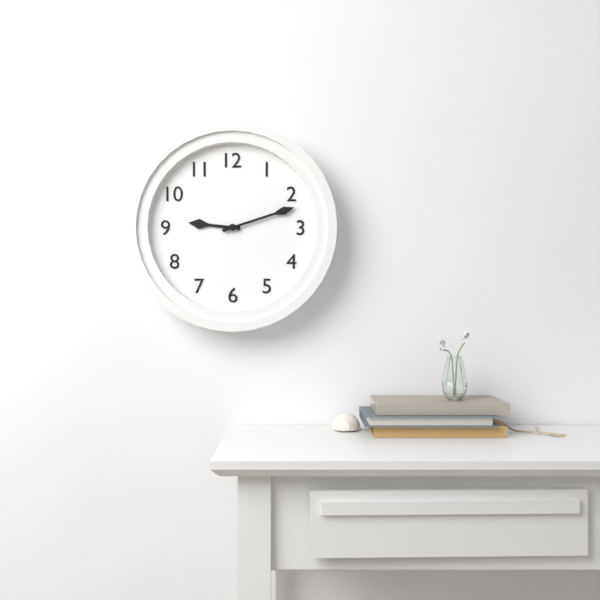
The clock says 9:12
